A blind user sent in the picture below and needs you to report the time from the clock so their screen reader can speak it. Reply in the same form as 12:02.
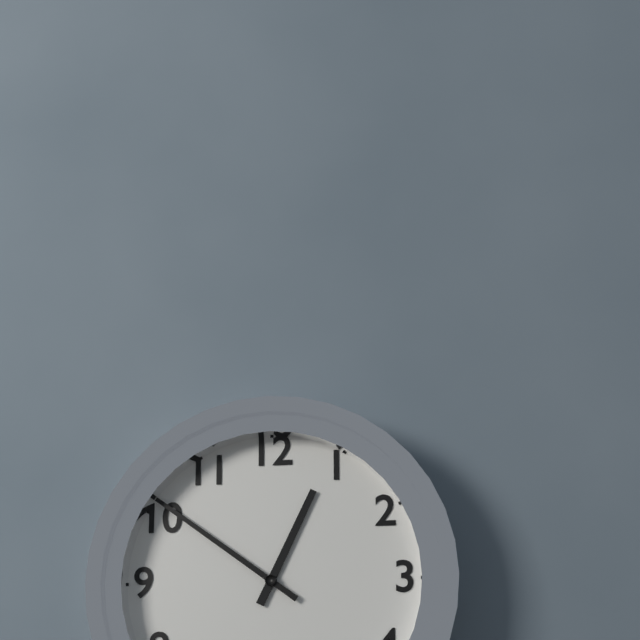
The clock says 12:51
